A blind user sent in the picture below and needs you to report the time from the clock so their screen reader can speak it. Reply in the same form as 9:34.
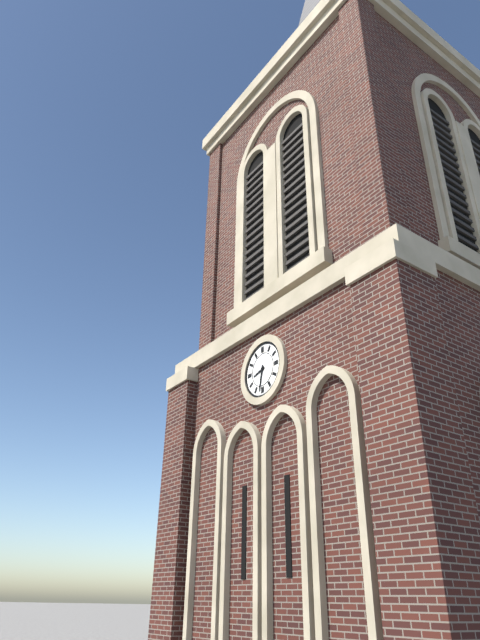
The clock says 8:32
